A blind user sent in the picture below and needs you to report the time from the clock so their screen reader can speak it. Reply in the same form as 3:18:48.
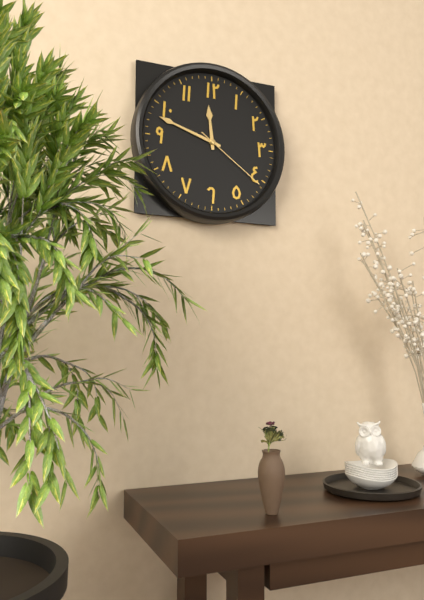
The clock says 11:48:21
